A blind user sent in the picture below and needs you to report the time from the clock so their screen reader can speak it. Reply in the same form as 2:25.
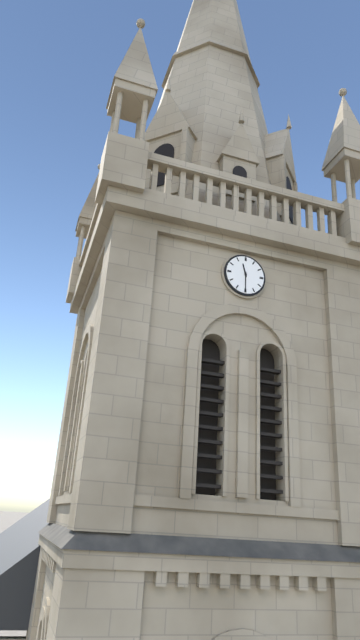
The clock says 11:30
